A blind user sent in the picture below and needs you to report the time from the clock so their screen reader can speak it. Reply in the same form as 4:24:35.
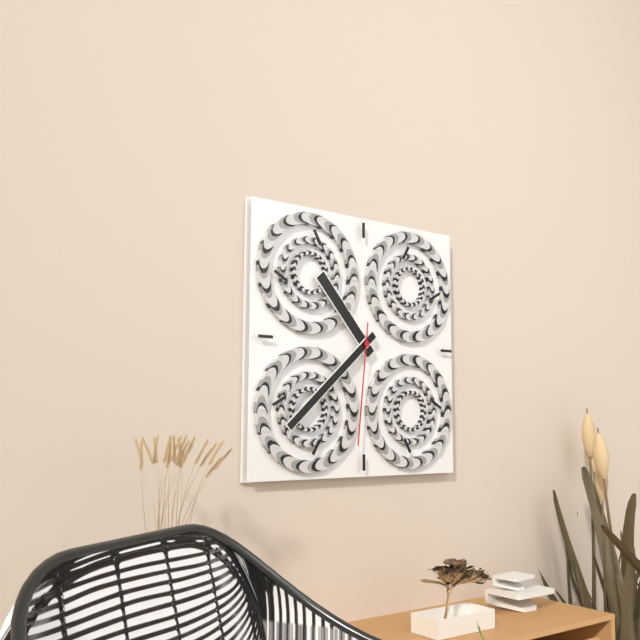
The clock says 10:38:31
